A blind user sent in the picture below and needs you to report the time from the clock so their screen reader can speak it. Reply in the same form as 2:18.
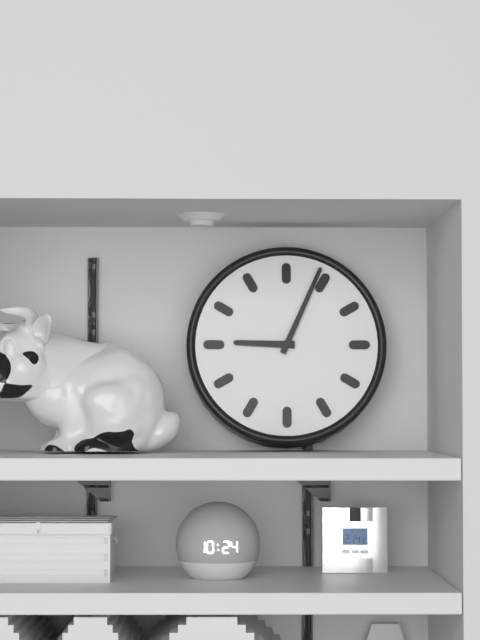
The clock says 9:04
